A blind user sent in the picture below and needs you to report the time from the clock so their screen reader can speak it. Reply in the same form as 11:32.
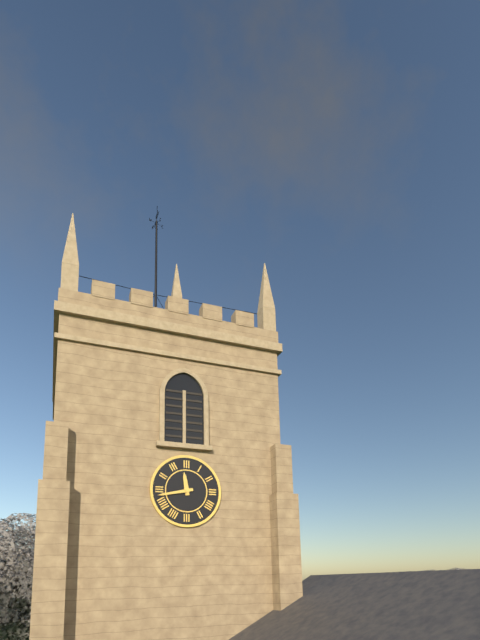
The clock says 11:43
